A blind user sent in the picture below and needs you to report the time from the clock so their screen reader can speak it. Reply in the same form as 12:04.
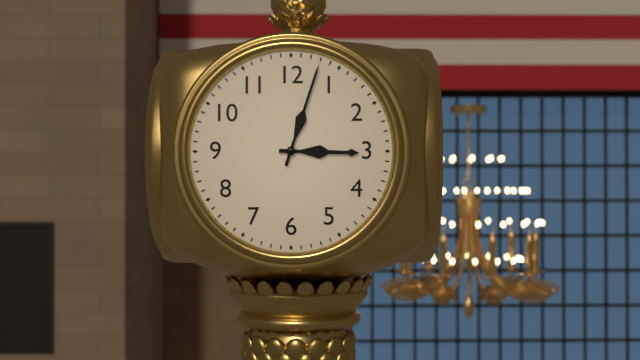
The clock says 3:03
